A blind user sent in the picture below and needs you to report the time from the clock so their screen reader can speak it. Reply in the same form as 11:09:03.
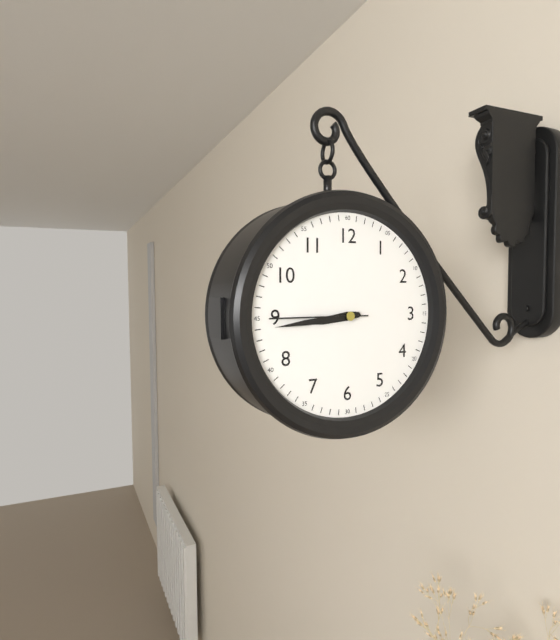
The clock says 8:44:45
